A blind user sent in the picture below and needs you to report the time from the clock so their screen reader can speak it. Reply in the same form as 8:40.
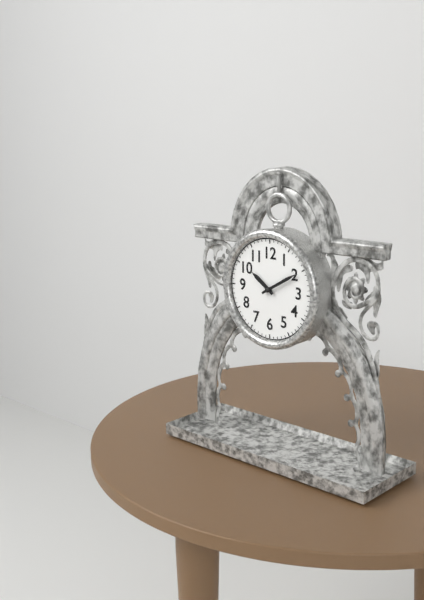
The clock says 10:10
